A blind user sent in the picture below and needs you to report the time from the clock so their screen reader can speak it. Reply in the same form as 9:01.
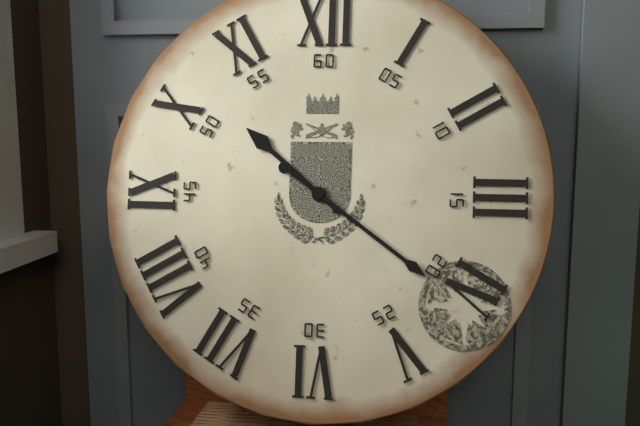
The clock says 10:21
